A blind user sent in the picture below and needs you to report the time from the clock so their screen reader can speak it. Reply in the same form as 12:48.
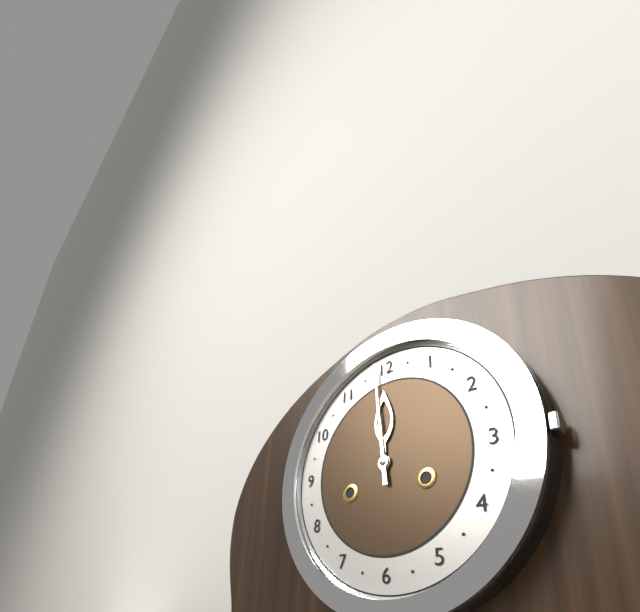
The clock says 11:59
